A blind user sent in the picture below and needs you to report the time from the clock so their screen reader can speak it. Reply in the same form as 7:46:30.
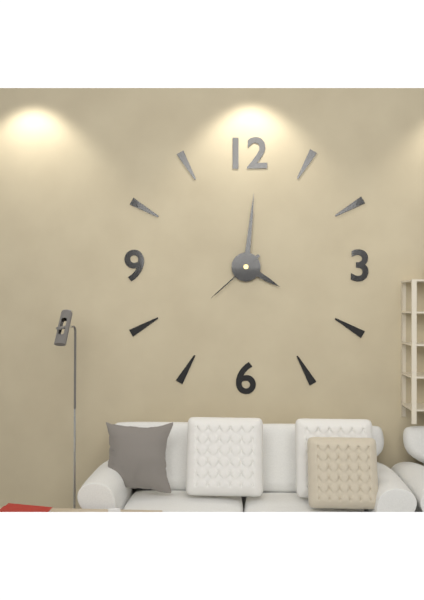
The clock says 4:01:38
